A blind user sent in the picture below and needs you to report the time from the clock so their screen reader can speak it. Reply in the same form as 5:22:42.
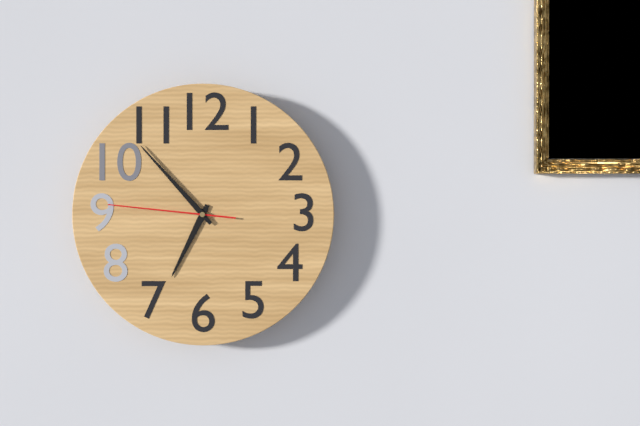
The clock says 6:53:46
